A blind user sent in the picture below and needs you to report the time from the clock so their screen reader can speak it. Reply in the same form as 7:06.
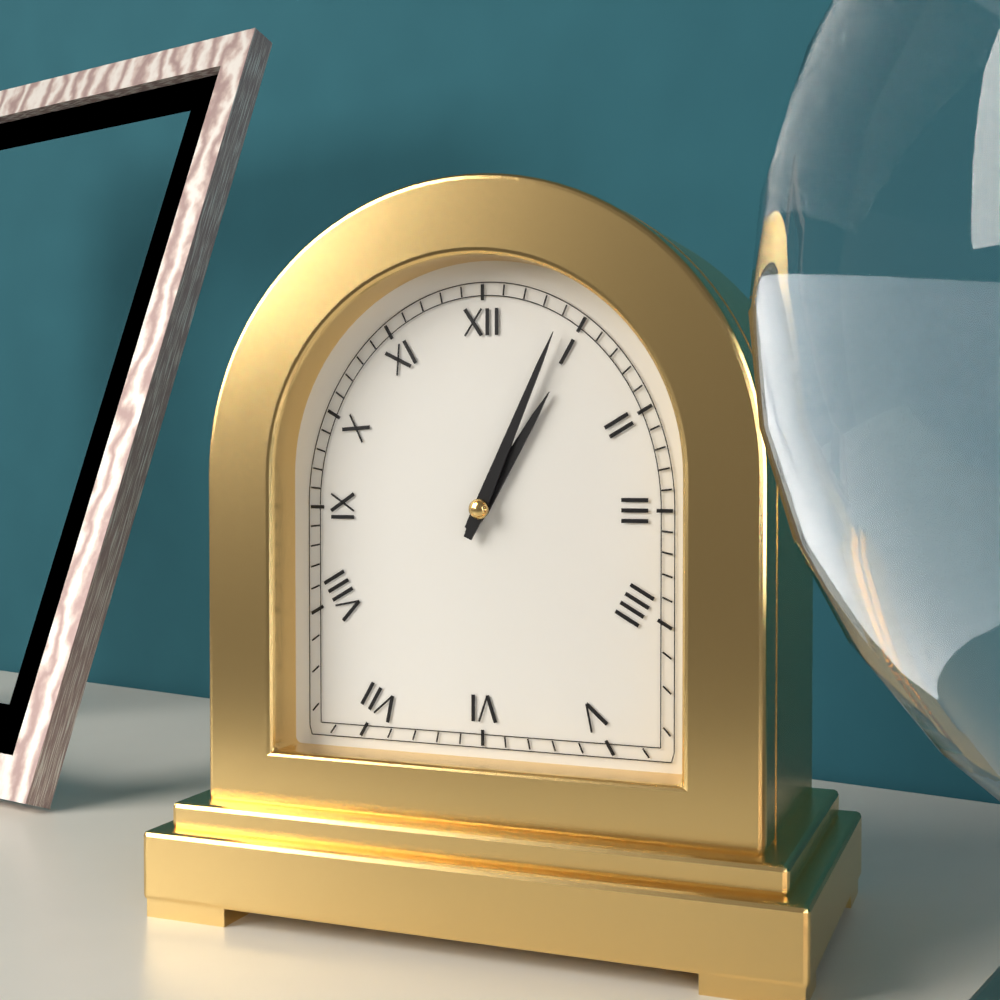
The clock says 1:04
